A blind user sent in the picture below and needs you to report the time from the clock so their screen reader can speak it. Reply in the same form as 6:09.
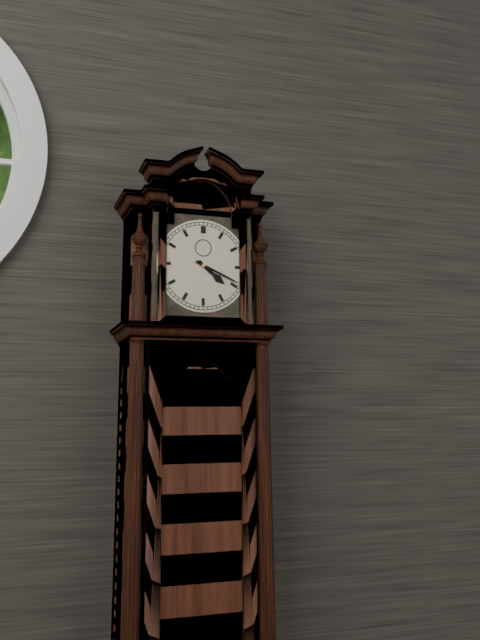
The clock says 4:19
